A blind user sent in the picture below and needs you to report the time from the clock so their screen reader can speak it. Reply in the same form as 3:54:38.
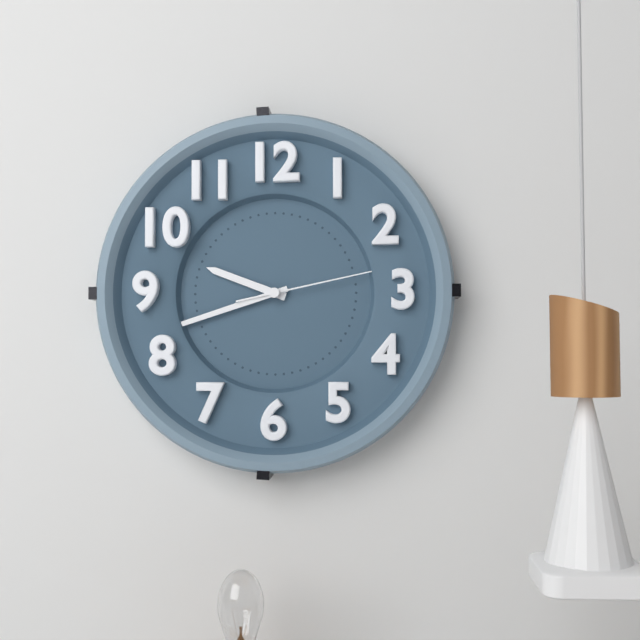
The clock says 9:42:13
